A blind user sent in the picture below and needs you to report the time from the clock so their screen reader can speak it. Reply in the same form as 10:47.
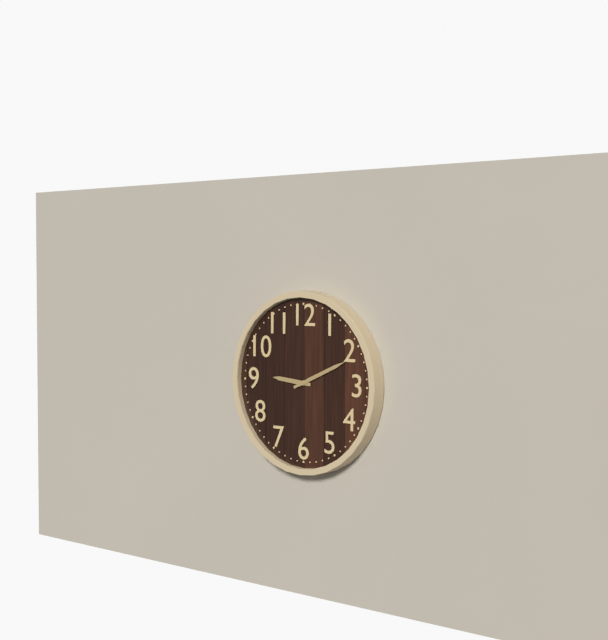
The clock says 9:11
